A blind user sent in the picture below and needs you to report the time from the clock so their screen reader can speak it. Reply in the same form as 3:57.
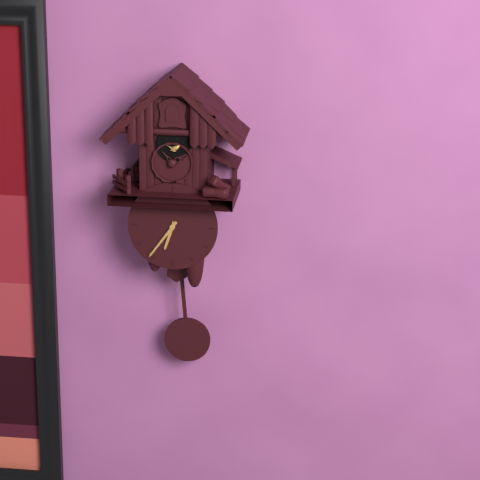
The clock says 6:36
